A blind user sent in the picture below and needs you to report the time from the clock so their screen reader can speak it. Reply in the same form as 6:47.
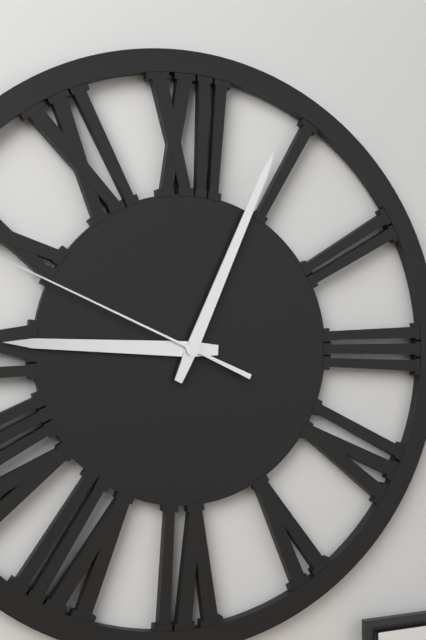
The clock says 9:04
